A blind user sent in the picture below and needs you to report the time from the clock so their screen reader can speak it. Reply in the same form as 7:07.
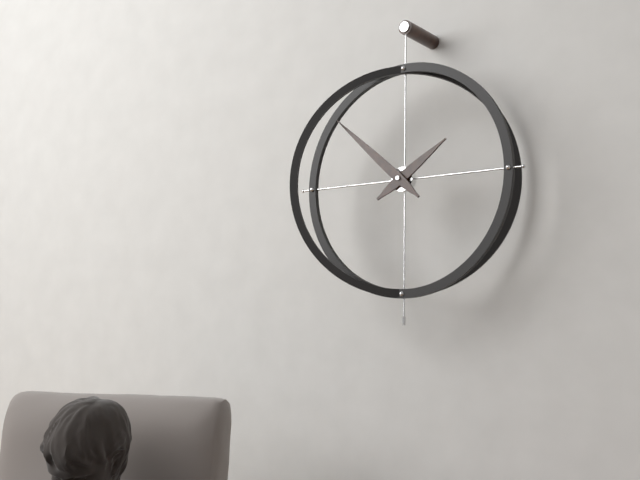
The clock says 1:52
